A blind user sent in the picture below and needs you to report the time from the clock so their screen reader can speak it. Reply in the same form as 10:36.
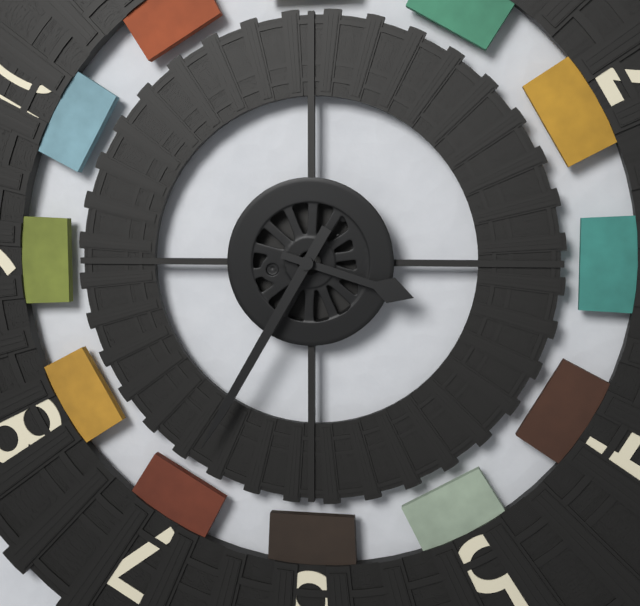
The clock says 3:35
